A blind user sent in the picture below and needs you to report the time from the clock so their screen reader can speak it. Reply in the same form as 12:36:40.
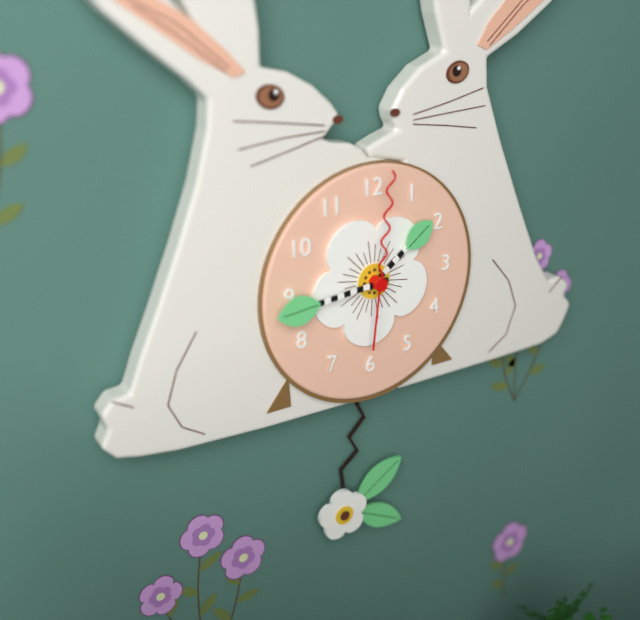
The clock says 1:44:01
